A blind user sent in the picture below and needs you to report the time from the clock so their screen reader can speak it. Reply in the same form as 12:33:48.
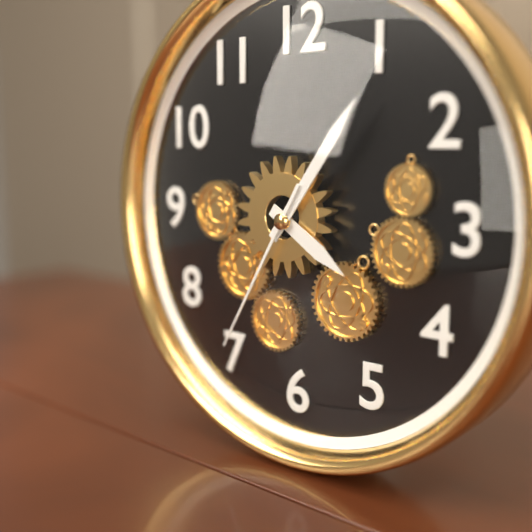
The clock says 4:06:35
